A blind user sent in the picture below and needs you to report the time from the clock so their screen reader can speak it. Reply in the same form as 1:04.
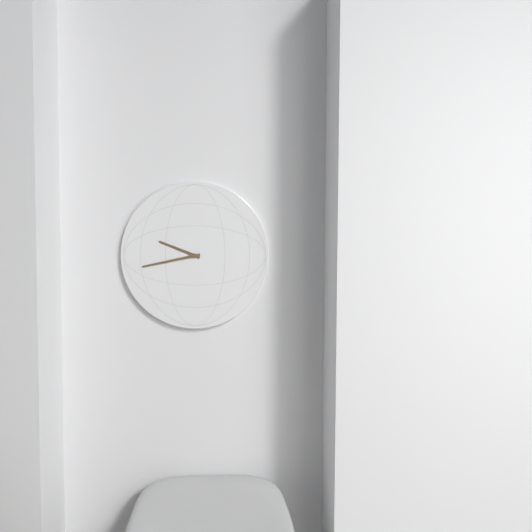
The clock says 9:43
